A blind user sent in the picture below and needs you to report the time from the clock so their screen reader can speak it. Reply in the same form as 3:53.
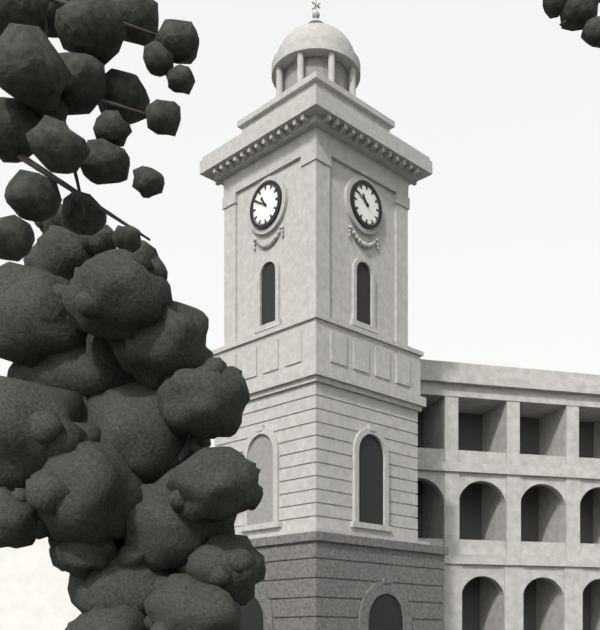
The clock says 10:50
